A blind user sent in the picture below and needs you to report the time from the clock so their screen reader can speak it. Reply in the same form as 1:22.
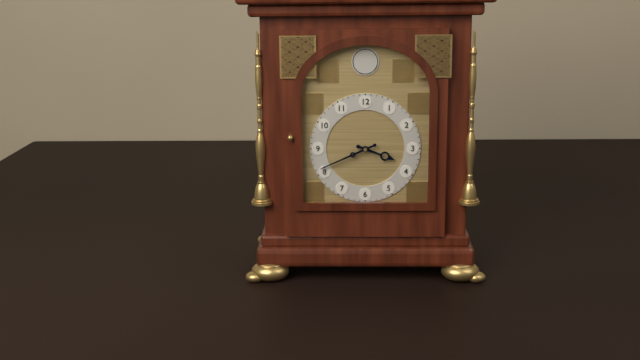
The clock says 3:41
